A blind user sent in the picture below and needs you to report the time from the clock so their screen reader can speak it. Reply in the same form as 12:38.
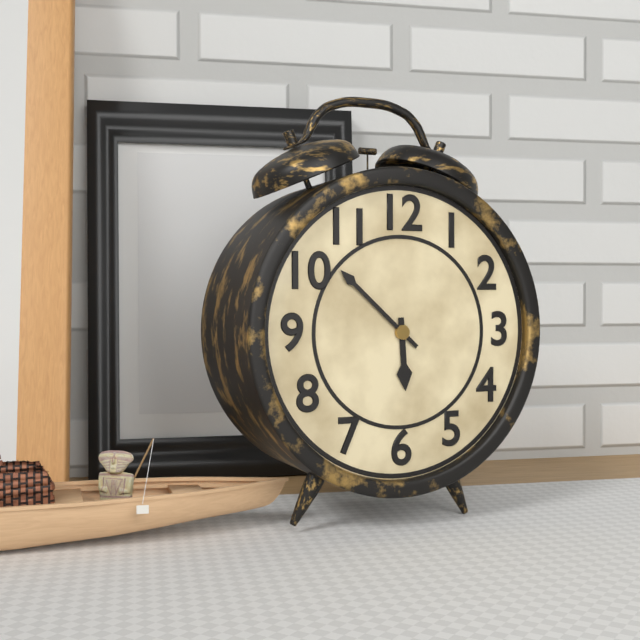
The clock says 5:52
